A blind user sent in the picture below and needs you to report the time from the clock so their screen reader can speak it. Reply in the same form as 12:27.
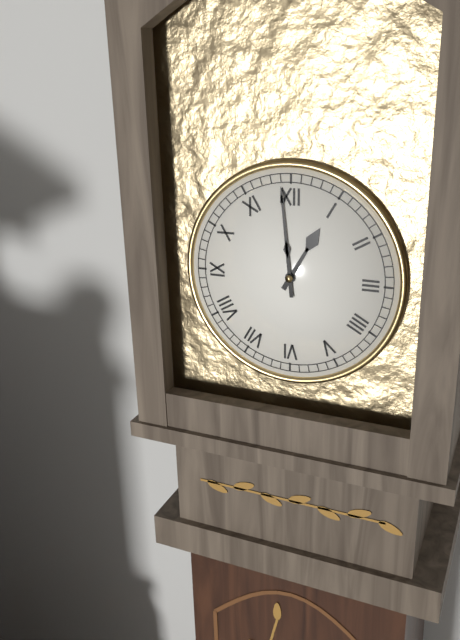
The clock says 12:59
